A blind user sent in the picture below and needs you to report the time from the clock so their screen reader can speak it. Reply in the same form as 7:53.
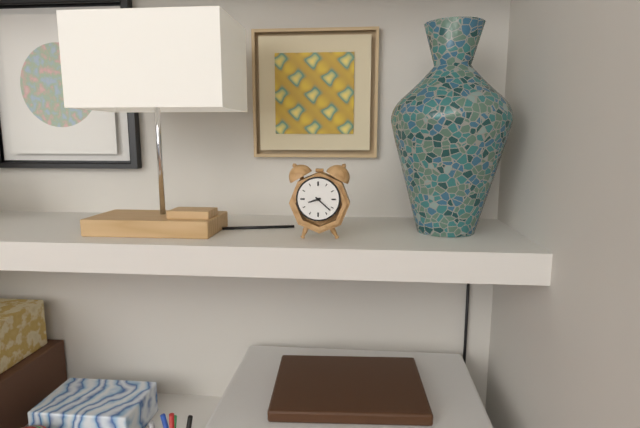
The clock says 8:22
